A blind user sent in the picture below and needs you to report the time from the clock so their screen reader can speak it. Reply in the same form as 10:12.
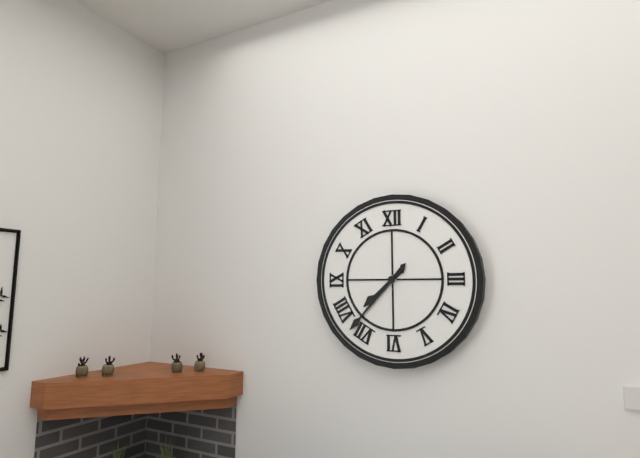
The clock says 7:37
